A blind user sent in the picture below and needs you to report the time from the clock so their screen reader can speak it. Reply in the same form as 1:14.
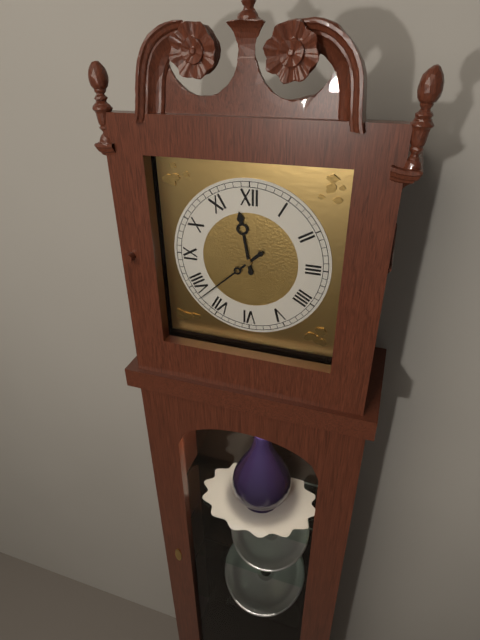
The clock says 11:38
